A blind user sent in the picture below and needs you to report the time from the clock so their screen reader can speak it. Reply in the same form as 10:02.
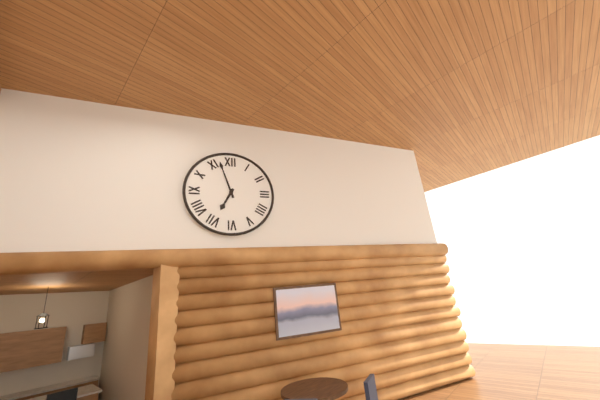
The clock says 6:57
